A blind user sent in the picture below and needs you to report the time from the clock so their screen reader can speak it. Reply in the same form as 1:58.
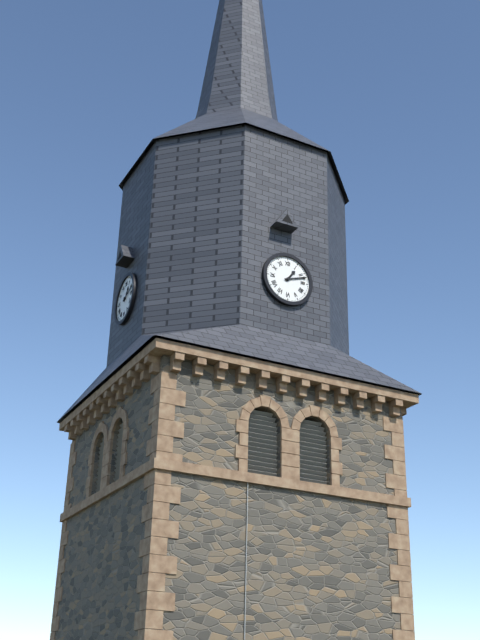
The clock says 1:12
